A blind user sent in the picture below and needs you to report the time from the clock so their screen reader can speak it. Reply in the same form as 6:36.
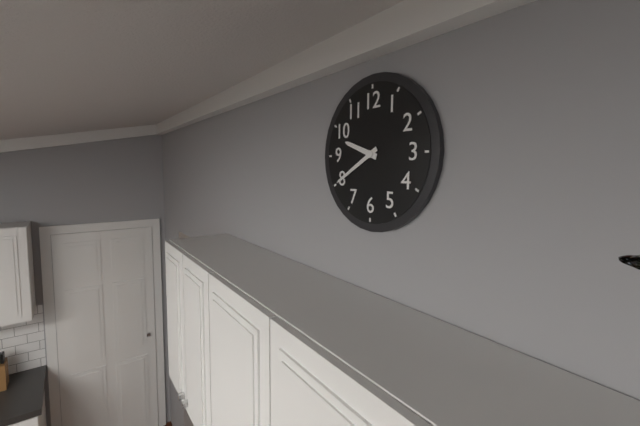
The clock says 9:40
